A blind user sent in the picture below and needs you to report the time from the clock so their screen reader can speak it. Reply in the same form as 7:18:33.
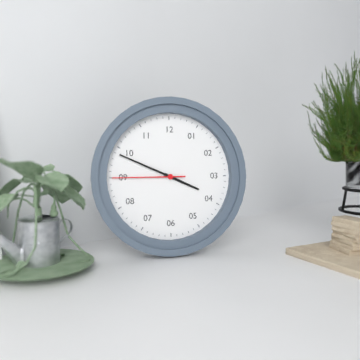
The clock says 3:49:45
